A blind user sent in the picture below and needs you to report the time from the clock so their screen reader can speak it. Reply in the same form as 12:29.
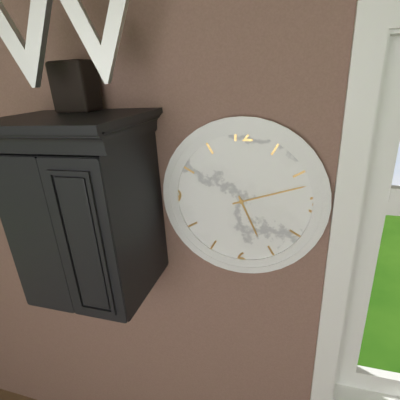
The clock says 5:12
